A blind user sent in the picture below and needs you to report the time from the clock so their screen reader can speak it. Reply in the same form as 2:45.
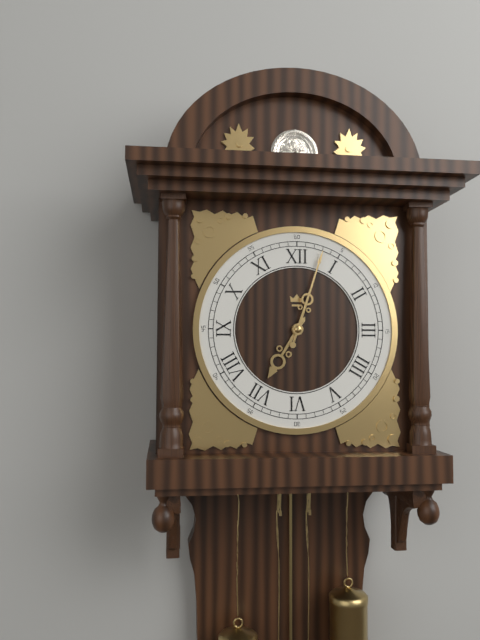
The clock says 7:03
